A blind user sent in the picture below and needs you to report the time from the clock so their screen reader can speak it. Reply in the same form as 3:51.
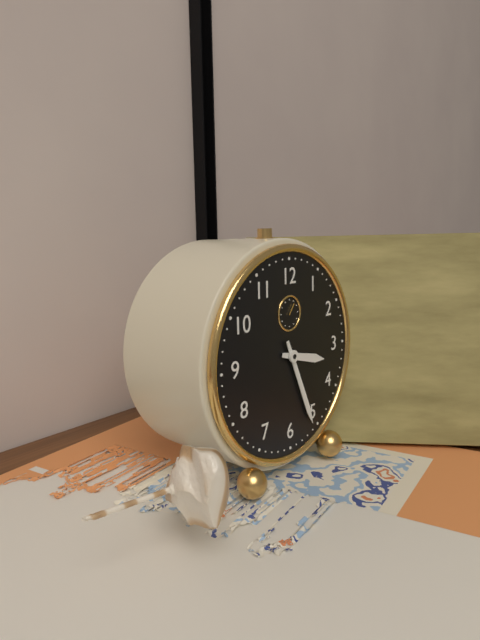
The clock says 3:26
